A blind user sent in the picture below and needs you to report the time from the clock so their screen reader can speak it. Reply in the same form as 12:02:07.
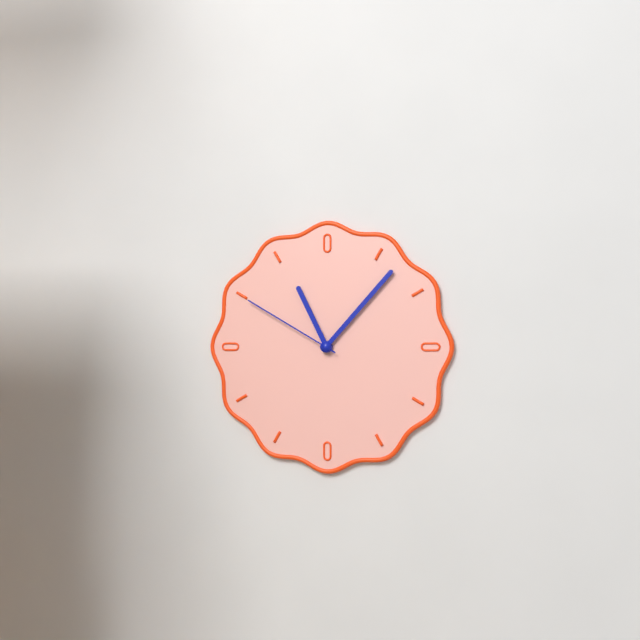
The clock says 11:07:50
